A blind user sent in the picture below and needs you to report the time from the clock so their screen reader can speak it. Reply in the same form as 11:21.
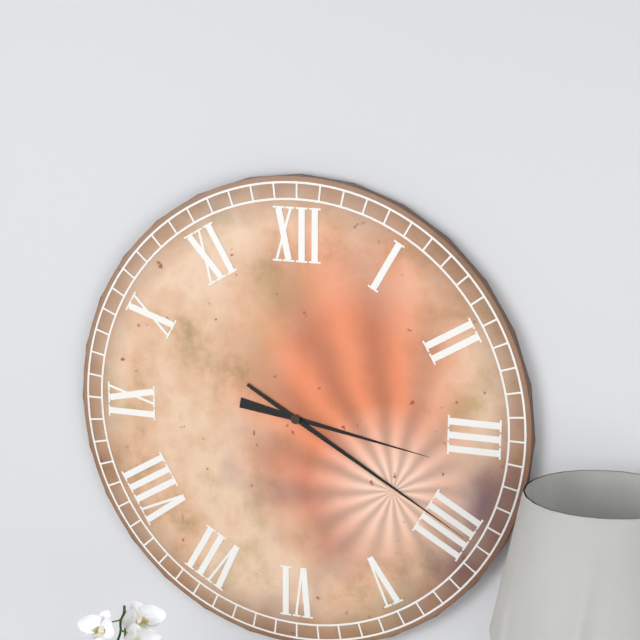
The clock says 3:20
